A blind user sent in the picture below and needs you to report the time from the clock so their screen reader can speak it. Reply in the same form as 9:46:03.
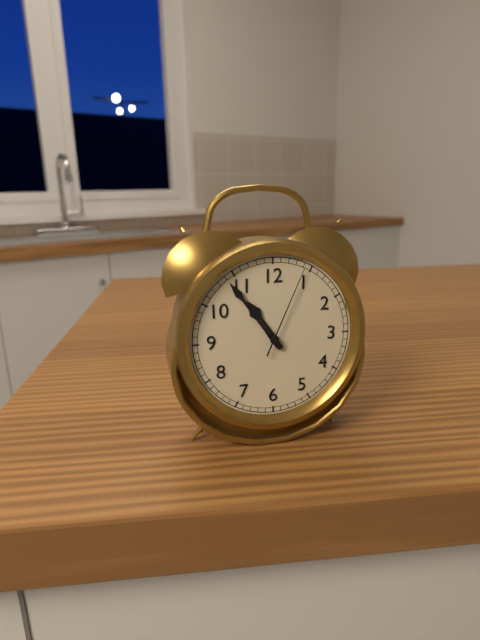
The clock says 10:54:04
